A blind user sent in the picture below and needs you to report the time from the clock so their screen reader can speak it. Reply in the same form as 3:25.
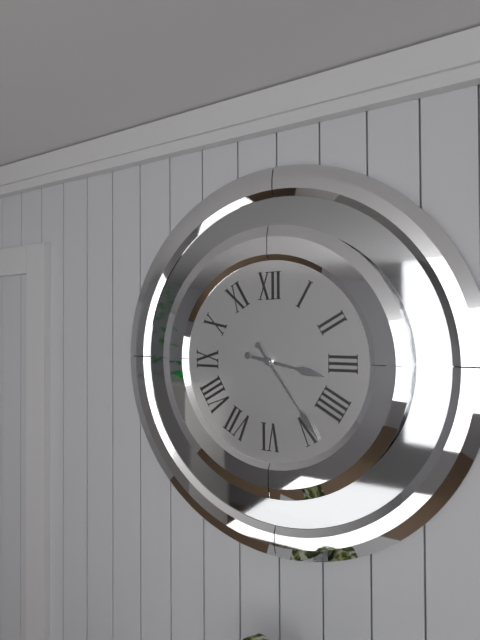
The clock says 3:24
